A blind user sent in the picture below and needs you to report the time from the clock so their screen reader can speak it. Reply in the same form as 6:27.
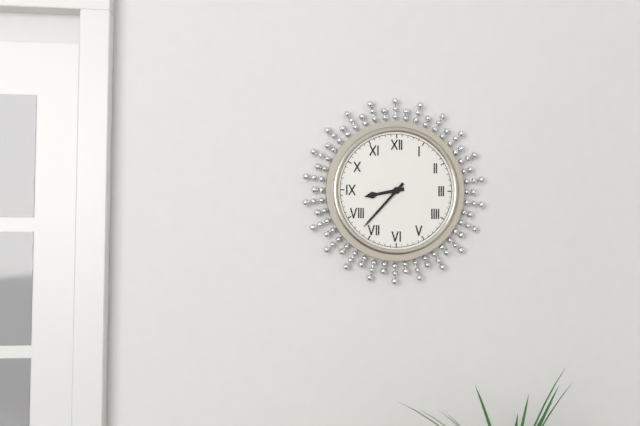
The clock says 8:37
